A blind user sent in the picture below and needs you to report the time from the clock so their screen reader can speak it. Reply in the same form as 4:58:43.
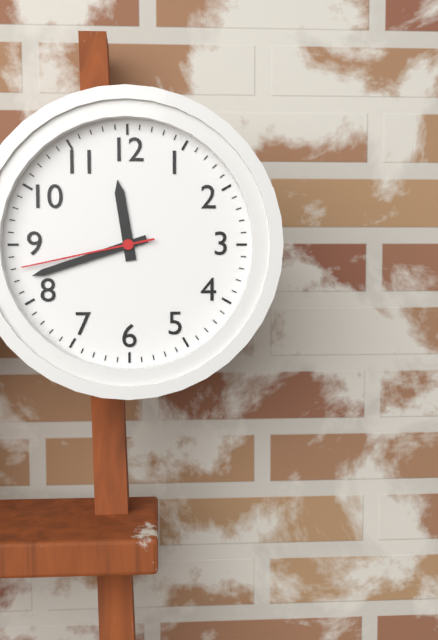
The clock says 11:42:43
